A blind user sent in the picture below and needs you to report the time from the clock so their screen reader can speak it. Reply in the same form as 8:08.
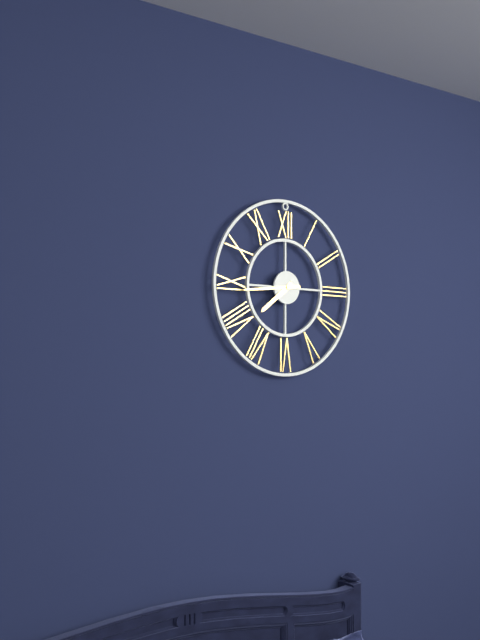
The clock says 7:44
